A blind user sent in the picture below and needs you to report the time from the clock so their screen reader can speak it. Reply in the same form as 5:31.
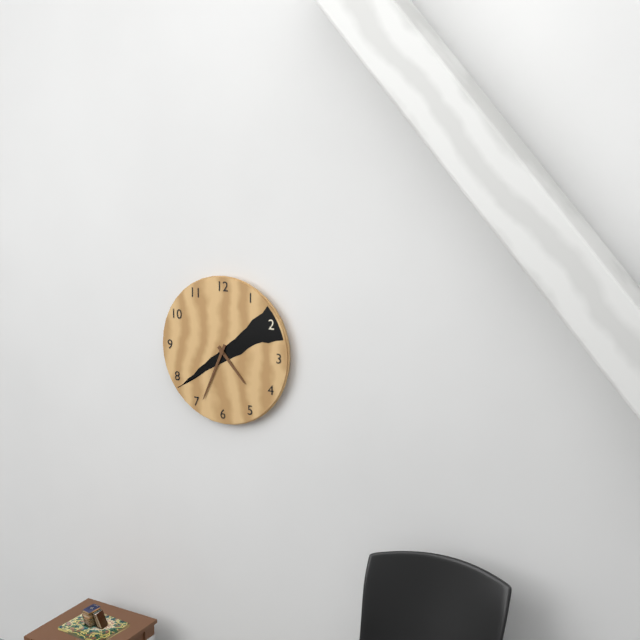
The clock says 4:34
